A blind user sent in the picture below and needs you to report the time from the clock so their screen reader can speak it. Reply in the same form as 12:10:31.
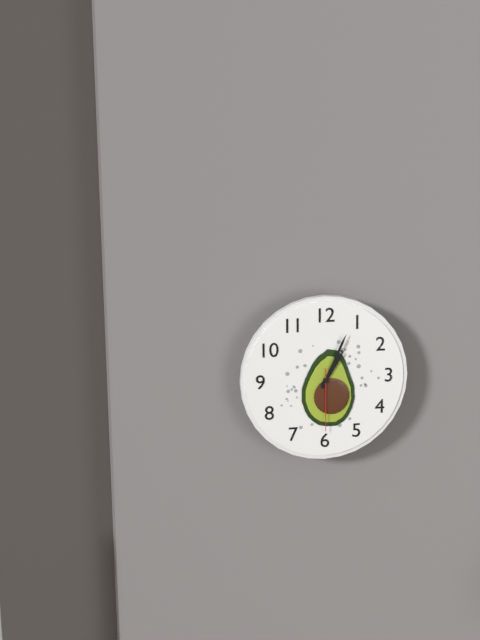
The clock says 1:04:30
